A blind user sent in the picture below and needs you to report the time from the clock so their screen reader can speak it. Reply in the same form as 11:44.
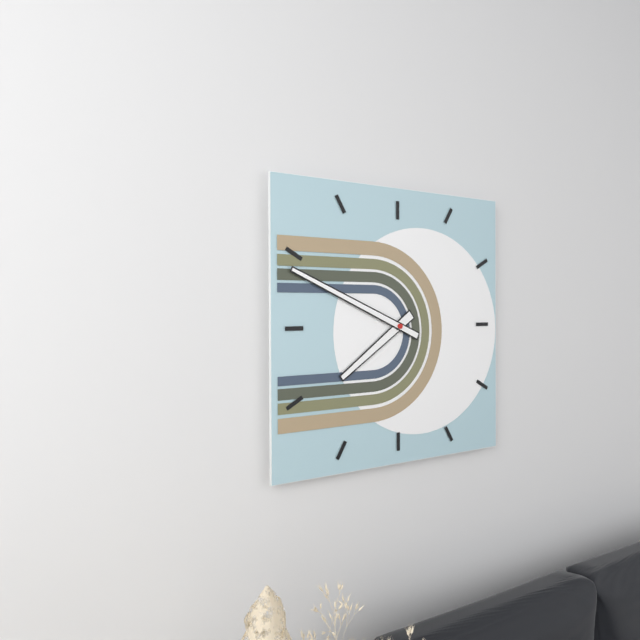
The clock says 7:49
